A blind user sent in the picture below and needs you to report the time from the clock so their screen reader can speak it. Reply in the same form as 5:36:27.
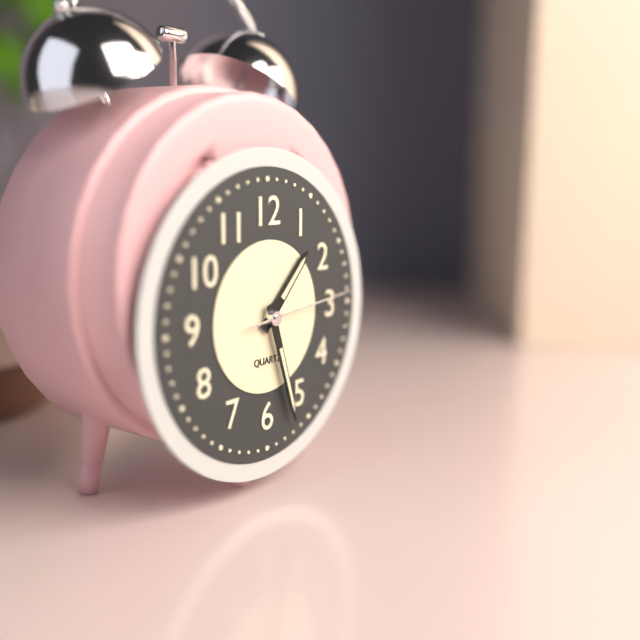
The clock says 1:27:14
